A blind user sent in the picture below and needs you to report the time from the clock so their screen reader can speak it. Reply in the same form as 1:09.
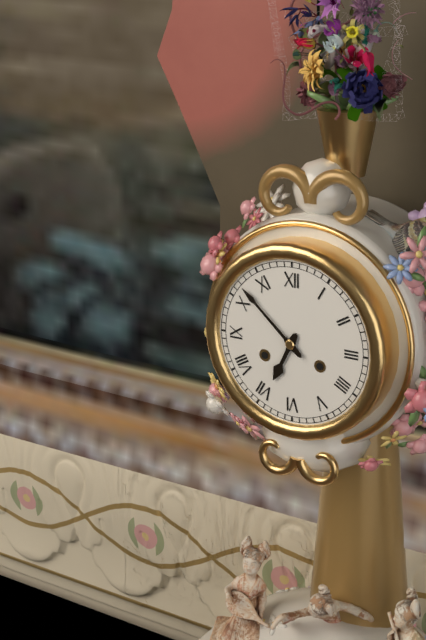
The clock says 6:52
